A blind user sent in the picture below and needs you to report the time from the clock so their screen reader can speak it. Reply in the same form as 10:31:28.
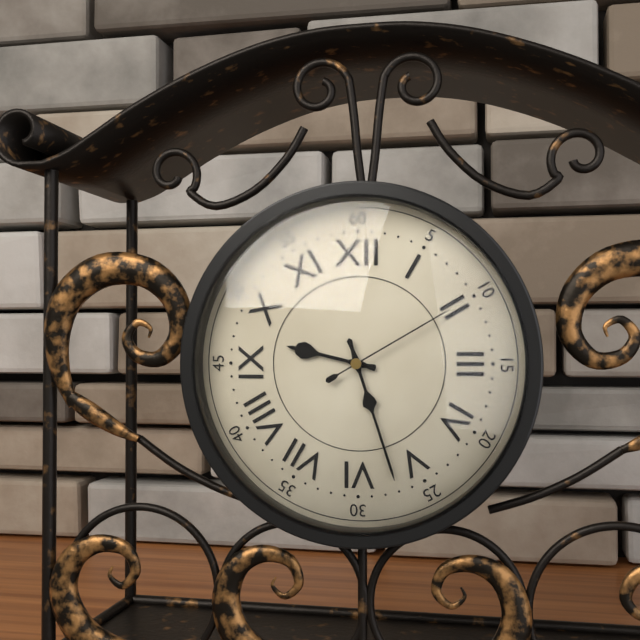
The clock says 9:27:10
